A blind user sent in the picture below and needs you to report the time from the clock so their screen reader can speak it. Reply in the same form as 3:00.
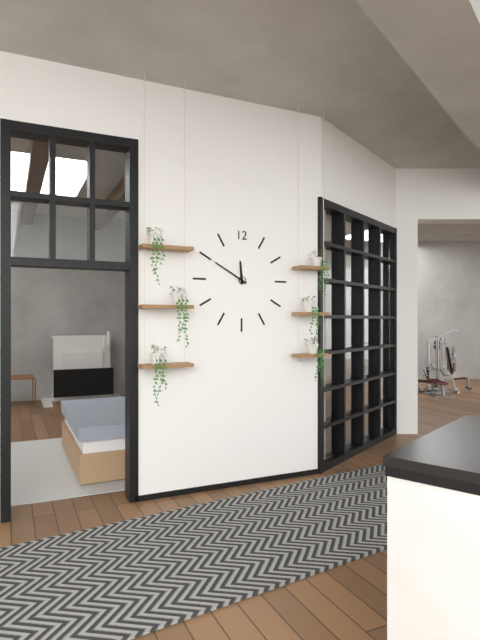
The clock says 11:50
